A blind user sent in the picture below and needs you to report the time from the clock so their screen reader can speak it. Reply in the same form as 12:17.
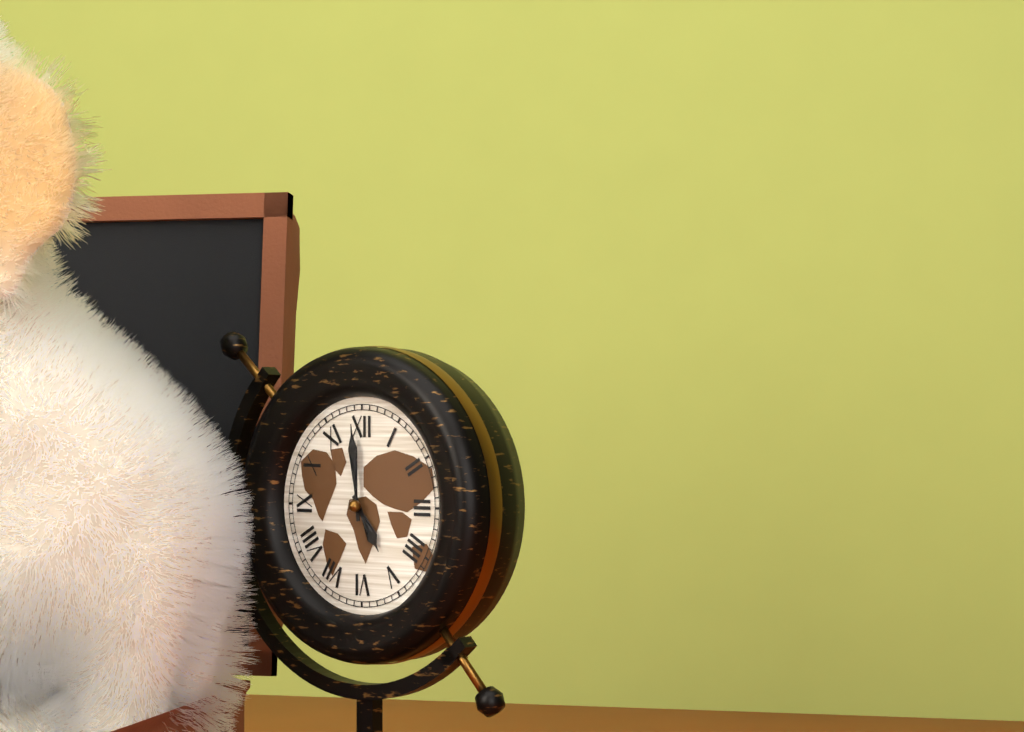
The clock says 4:59
